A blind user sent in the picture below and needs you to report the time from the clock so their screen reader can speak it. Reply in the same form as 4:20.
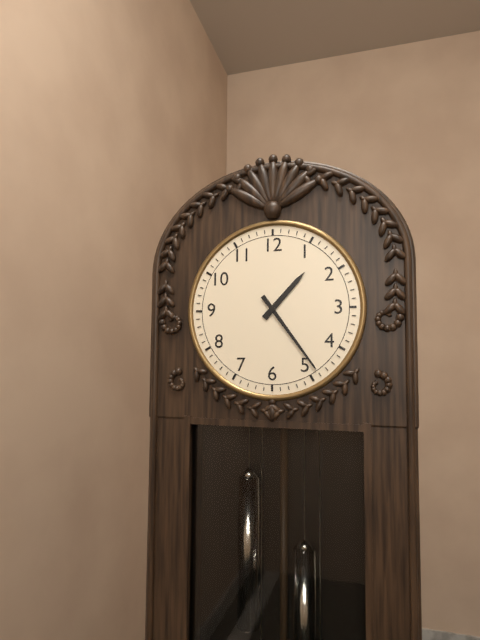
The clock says 1:24
